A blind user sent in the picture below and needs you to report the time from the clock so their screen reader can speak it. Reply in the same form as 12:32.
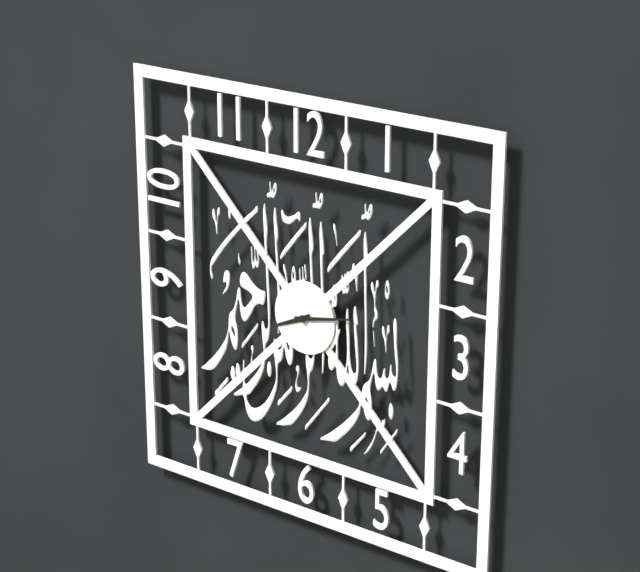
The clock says 8:13
